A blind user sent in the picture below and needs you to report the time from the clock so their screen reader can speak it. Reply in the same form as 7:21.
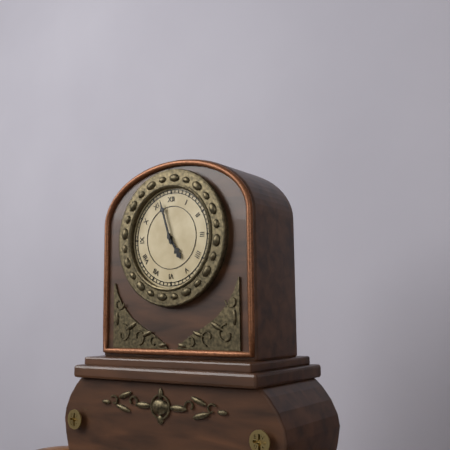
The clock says 4:57
